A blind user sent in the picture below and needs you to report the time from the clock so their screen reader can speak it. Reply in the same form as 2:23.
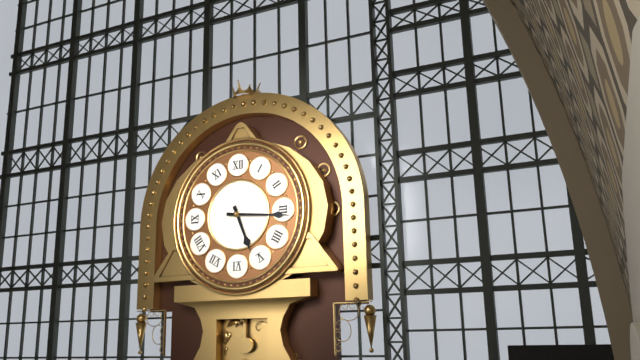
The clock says 5:16
